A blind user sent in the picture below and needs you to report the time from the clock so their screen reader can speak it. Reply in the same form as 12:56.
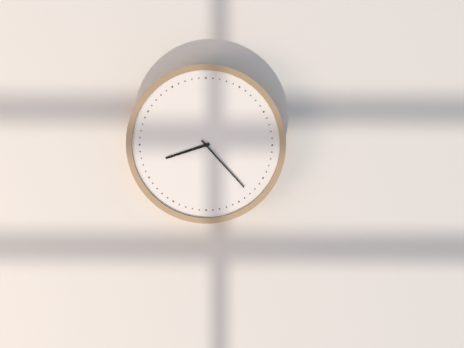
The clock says 8:23
